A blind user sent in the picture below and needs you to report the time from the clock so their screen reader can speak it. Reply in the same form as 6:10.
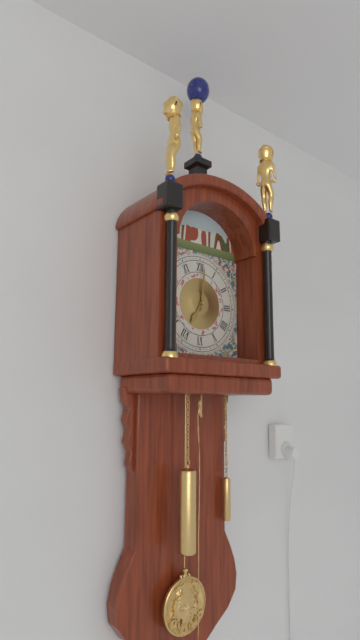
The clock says 7:01
